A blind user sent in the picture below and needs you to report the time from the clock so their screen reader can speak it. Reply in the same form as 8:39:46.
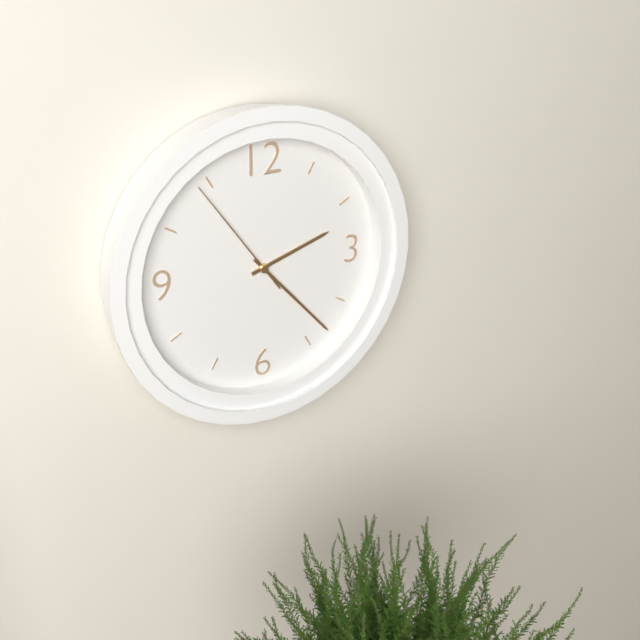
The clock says 2:23:54
